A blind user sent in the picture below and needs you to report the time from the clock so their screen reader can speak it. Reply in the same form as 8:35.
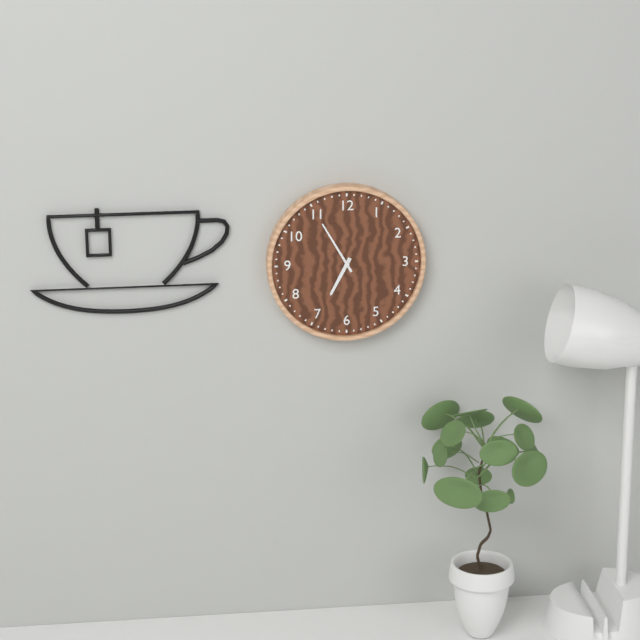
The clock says 6:55
